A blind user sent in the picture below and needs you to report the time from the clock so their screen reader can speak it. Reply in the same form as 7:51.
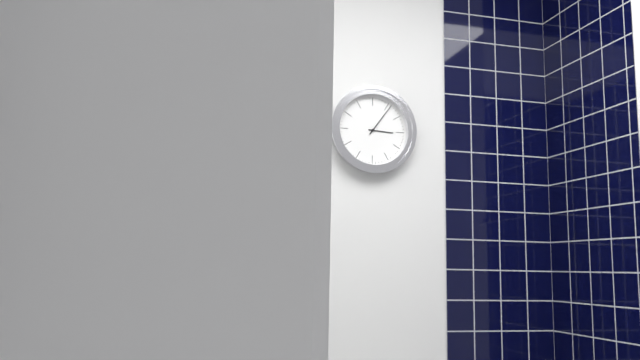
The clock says 3:06
